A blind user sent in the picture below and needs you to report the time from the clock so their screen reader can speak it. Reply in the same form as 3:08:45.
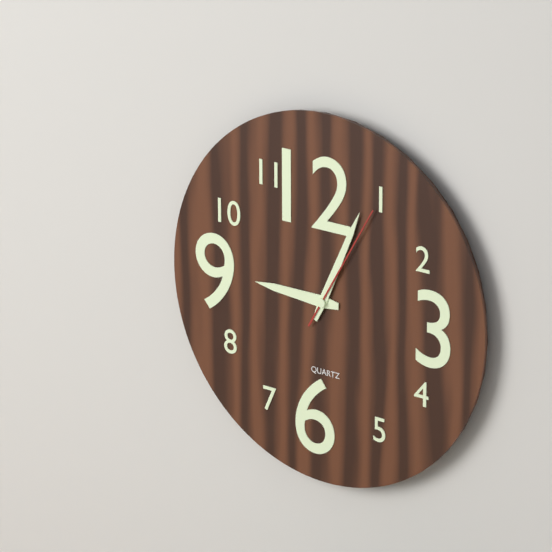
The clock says 9:04:05
